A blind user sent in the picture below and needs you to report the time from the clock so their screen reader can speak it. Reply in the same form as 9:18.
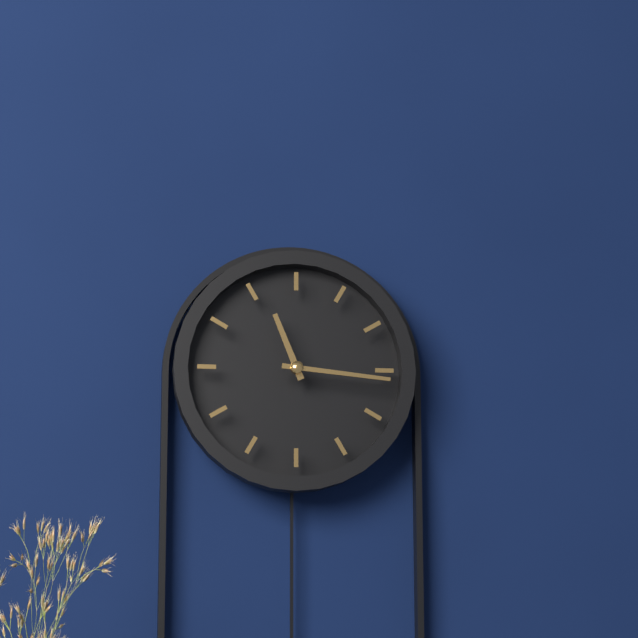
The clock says 11:16
